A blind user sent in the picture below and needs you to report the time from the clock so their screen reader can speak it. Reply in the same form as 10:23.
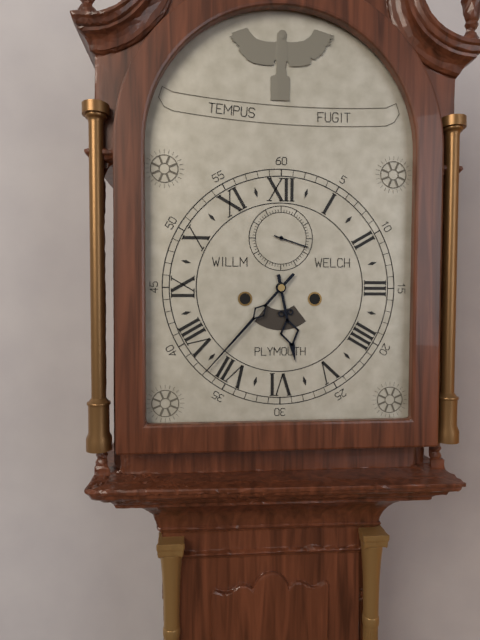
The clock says 5:37
